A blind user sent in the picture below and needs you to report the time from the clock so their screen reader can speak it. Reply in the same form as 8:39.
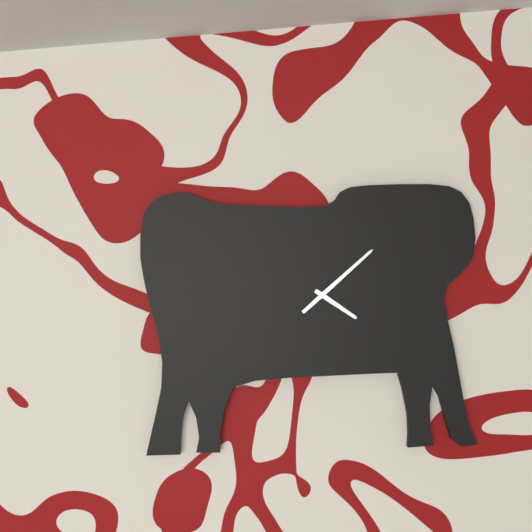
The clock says 4:08
